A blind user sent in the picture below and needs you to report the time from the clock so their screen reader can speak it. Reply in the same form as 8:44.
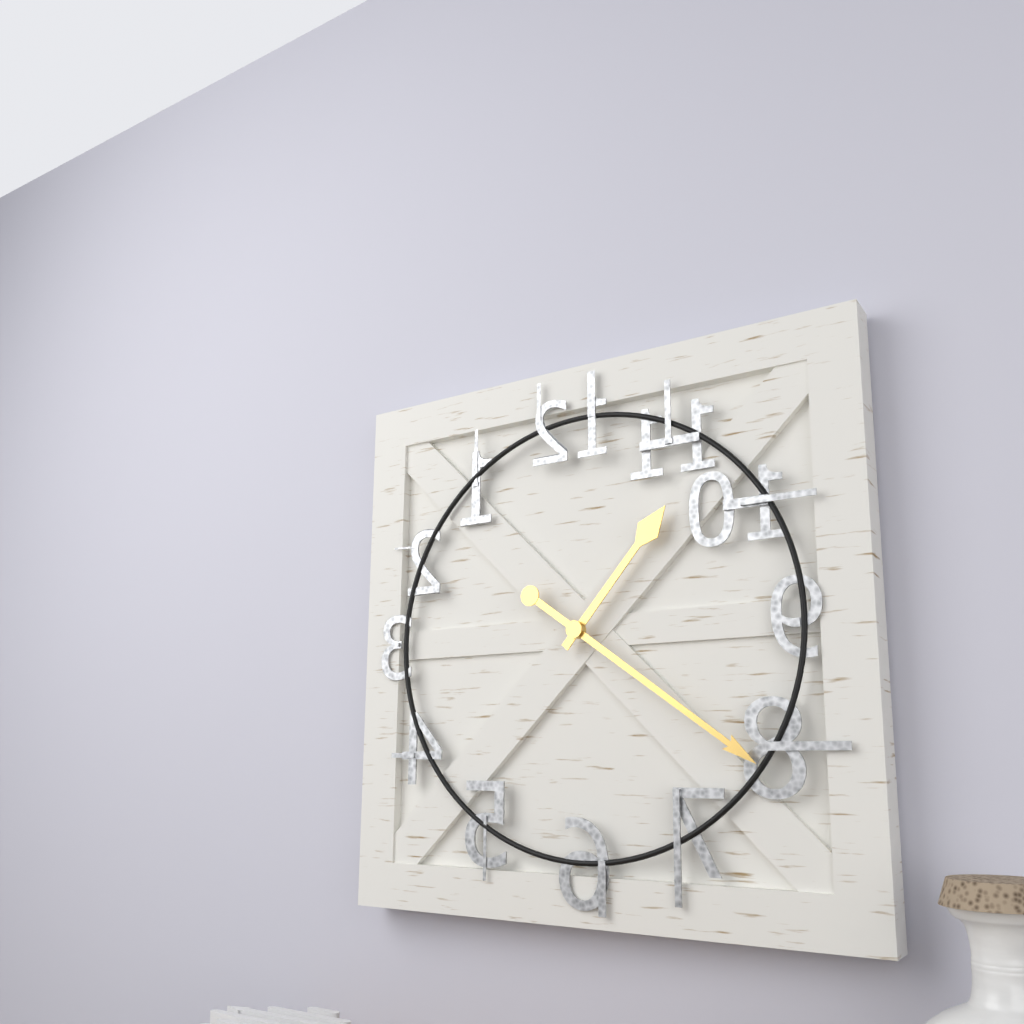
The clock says 1:21
